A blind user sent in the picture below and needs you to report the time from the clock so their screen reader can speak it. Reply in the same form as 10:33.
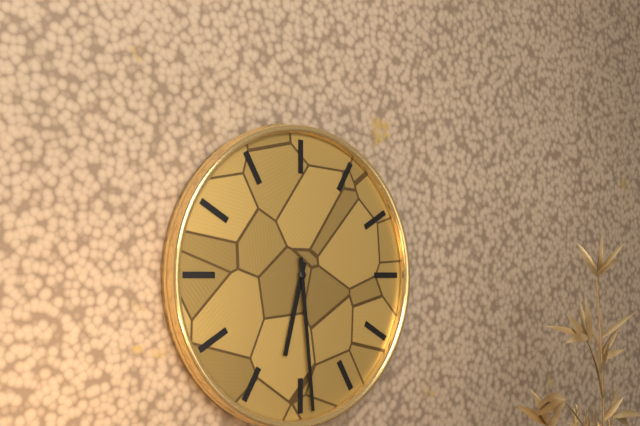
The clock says 6:29
